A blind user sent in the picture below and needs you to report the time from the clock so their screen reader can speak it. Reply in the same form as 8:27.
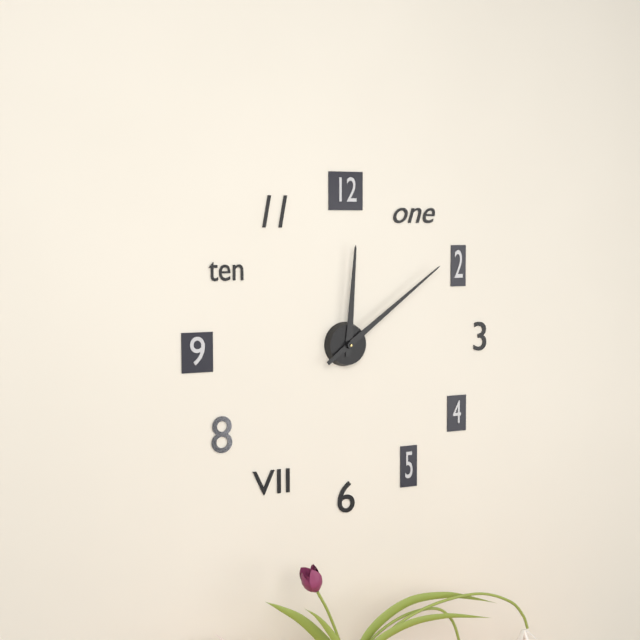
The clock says 12:09
